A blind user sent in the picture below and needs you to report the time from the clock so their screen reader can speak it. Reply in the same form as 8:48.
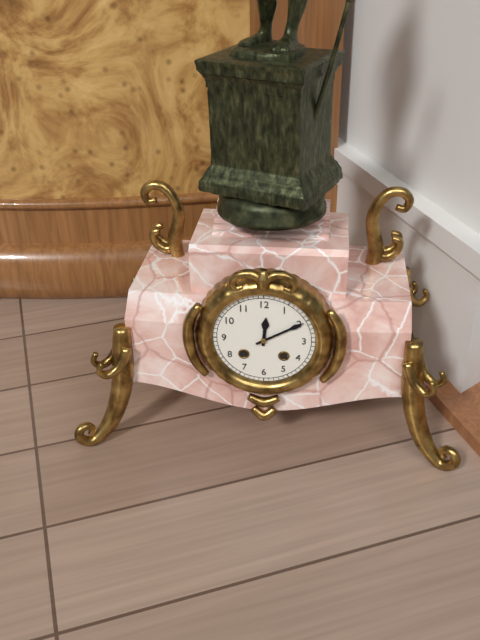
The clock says 12:10
